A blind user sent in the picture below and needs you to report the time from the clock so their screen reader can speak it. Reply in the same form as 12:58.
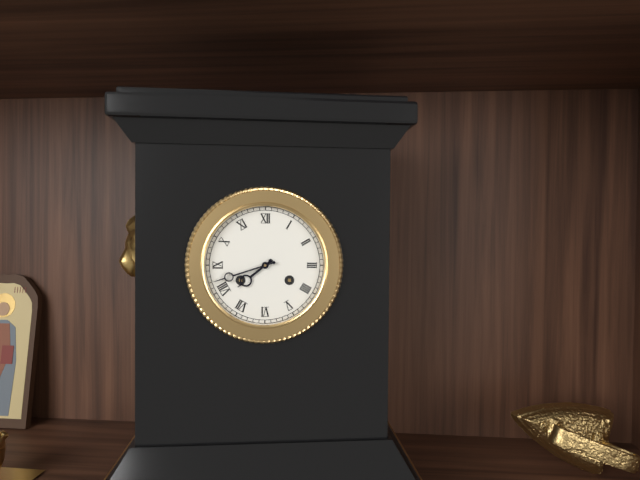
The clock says 7:42
